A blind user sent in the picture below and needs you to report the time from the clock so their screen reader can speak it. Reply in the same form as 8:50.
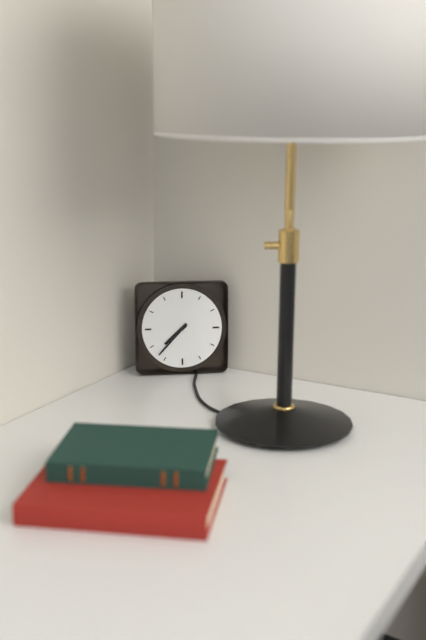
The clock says 7:37
